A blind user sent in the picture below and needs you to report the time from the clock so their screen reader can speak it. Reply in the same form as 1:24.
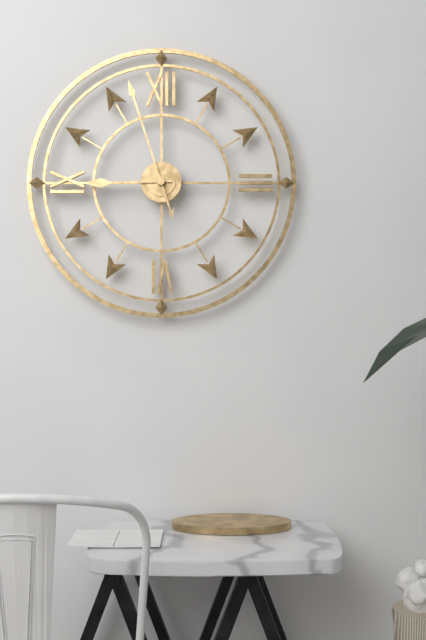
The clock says 8:57
